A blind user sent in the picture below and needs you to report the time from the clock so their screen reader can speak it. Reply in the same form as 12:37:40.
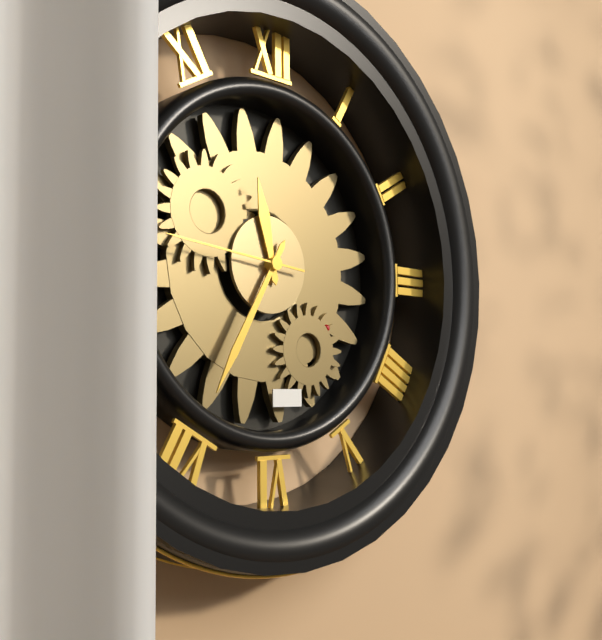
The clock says 11:35:46
